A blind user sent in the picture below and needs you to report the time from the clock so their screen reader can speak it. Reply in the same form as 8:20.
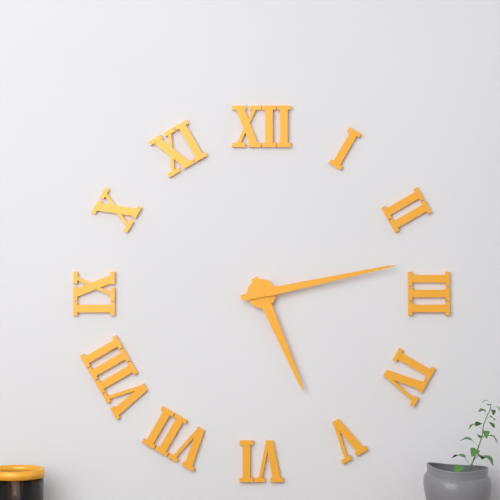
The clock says 5:13
